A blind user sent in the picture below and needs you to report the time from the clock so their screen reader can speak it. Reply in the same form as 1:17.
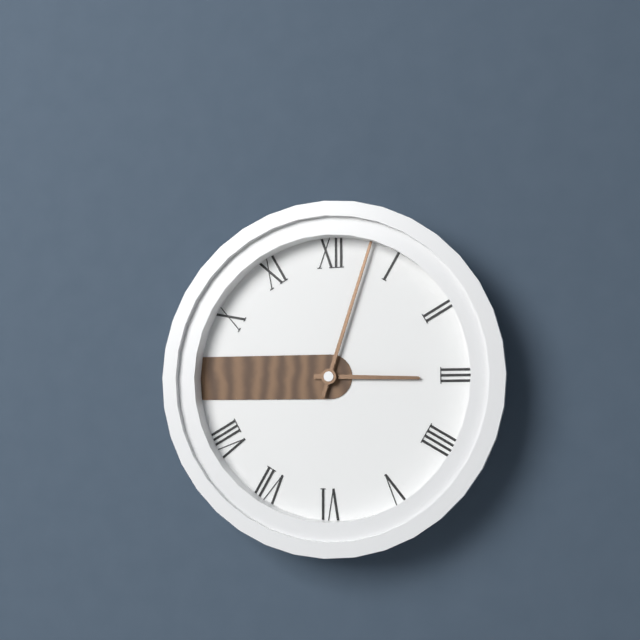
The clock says 3:03
